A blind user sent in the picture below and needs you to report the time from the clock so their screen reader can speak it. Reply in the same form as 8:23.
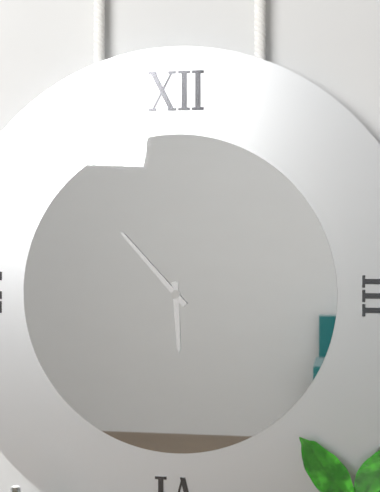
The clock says 5:53
